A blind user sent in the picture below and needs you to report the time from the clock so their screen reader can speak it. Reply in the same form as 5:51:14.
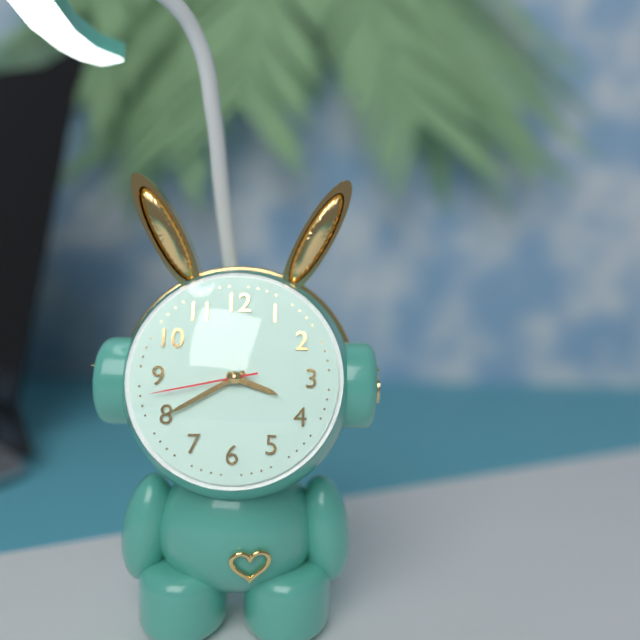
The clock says 3:40:43
